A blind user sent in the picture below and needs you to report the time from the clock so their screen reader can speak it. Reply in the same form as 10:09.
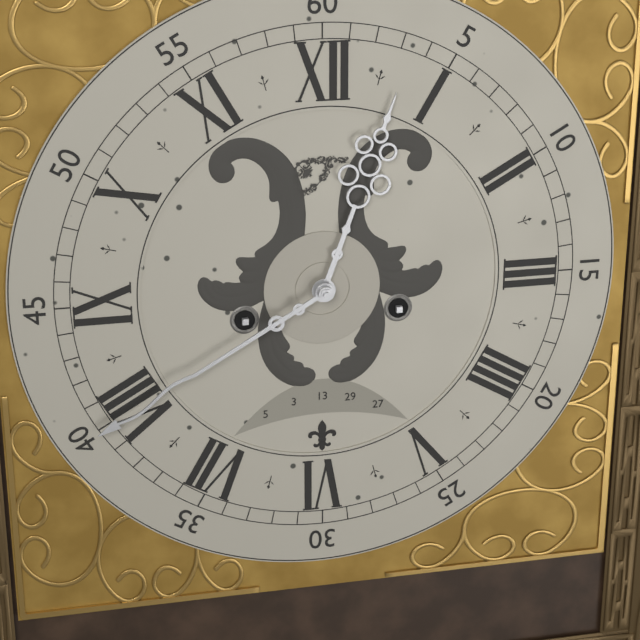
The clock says 12:40
